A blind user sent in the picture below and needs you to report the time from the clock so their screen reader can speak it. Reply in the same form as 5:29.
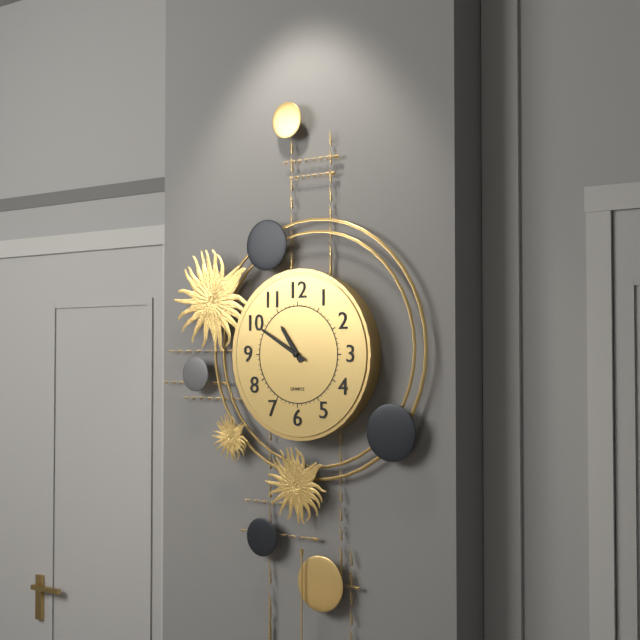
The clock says 10:50
